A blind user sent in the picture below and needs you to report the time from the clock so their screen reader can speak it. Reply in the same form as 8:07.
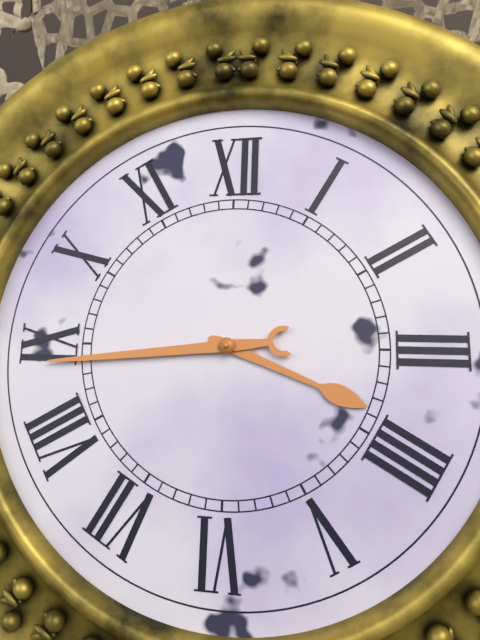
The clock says 3:44
